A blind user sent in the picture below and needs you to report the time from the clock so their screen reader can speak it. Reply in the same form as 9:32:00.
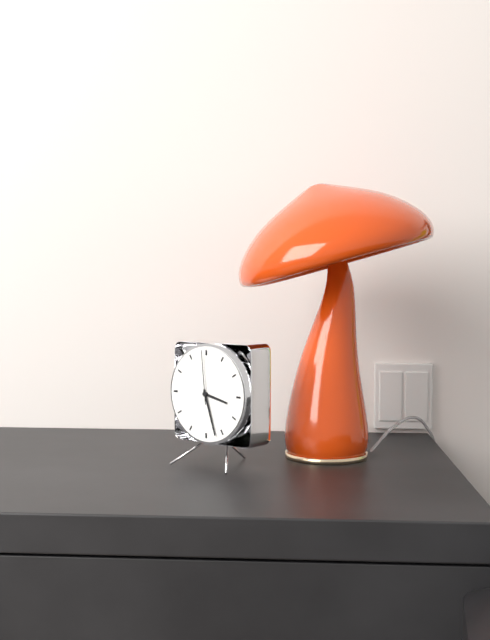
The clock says 3:27:59
